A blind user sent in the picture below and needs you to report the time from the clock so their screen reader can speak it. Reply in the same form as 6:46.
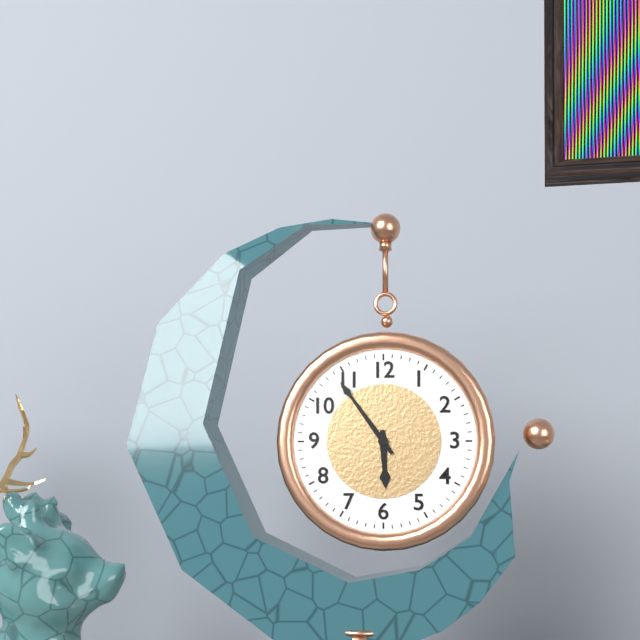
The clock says 5:54
